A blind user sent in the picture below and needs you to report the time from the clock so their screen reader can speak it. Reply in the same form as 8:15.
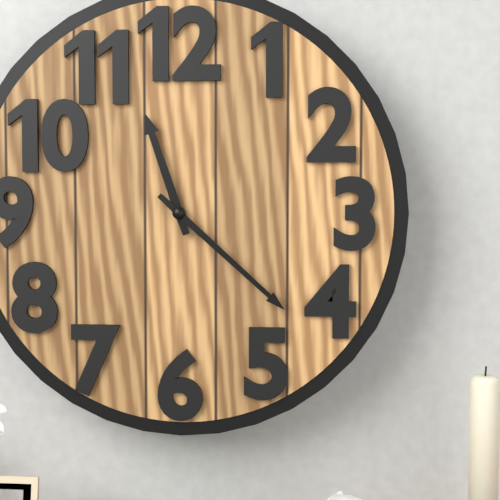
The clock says 11:22
